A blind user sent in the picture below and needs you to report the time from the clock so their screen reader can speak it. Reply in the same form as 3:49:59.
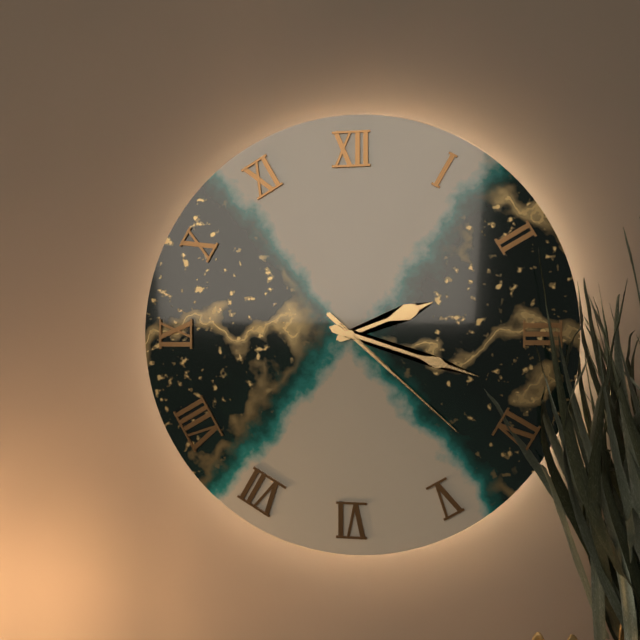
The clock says 2:18:22
